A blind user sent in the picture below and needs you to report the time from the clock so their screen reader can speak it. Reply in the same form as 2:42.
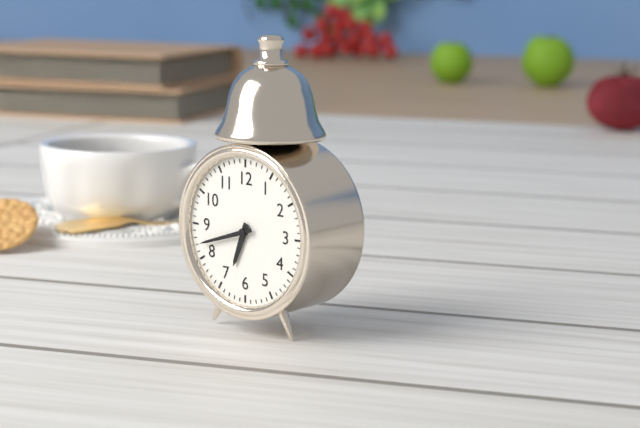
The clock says 6:42
